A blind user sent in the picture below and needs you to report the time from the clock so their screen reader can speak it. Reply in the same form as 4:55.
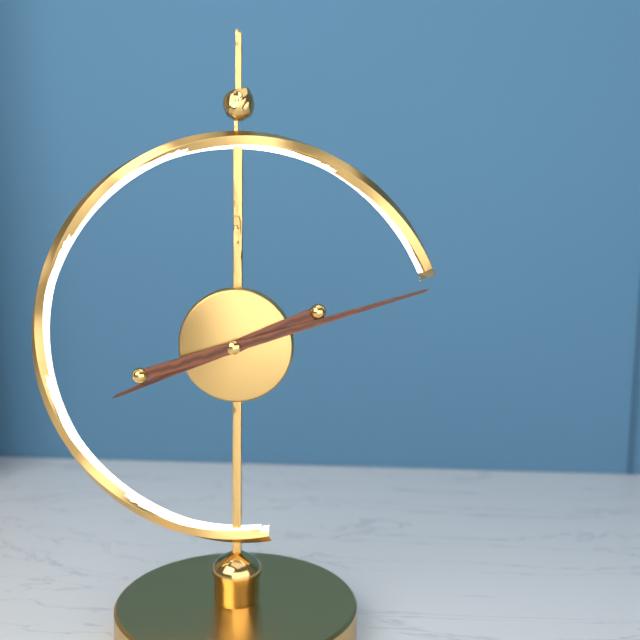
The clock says 8:12
